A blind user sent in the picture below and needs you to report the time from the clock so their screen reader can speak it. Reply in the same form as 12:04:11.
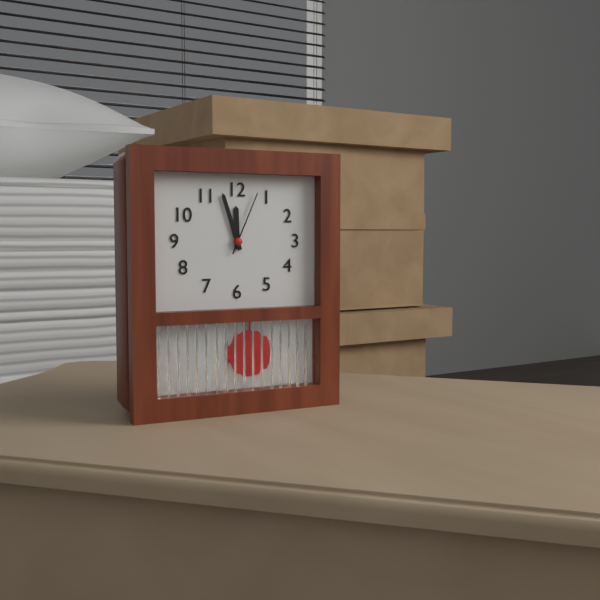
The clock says 11:57:04
